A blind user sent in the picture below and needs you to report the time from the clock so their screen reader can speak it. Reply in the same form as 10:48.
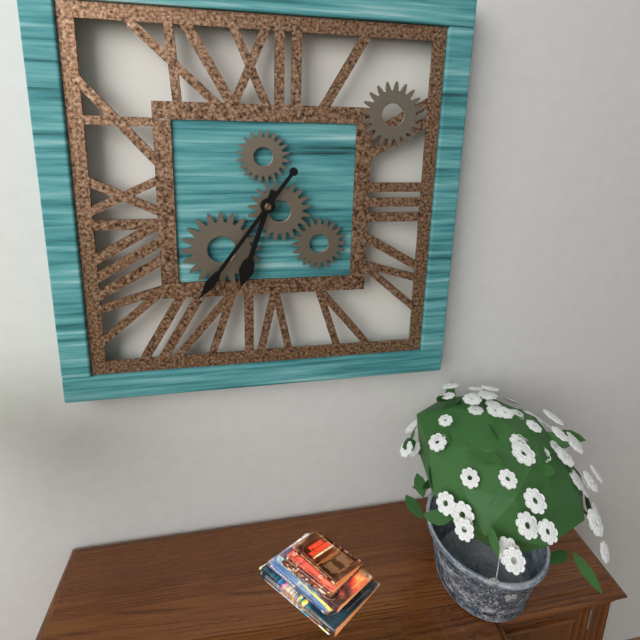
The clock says 6:36
